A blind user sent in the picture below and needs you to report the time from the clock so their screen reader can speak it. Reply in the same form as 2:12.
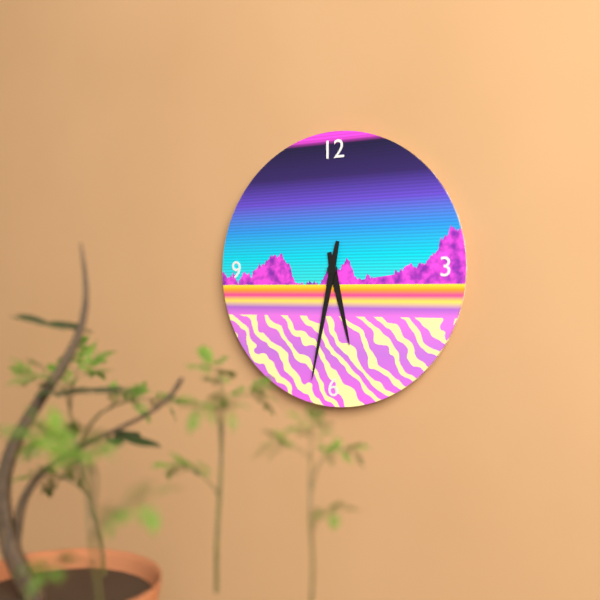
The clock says 5:32
